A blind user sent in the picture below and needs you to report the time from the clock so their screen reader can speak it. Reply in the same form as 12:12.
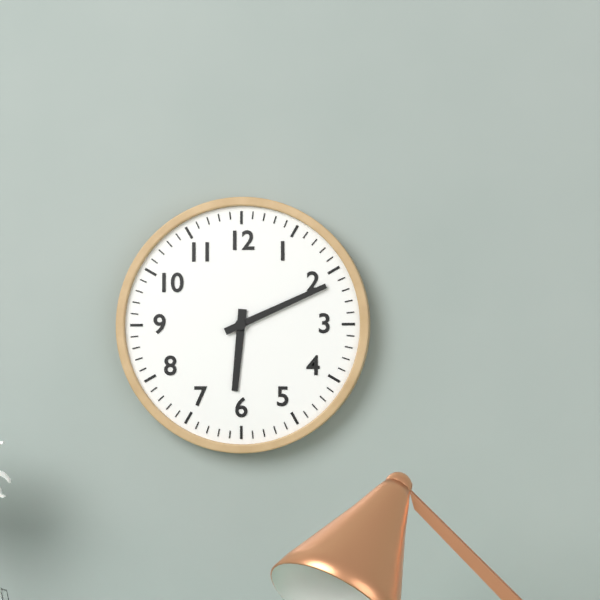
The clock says 6:11
